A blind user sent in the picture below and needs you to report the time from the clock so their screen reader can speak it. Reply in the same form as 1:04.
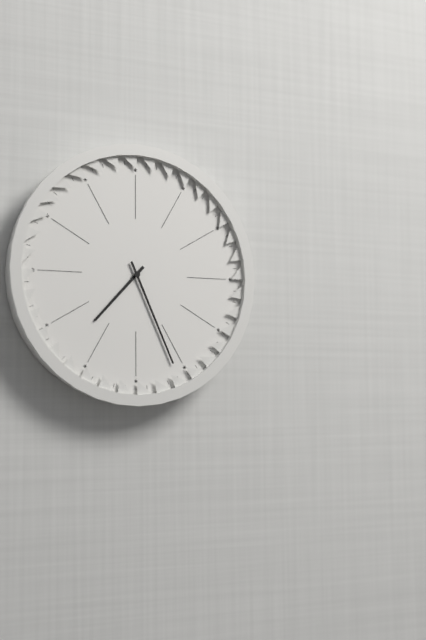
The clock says 7:26
